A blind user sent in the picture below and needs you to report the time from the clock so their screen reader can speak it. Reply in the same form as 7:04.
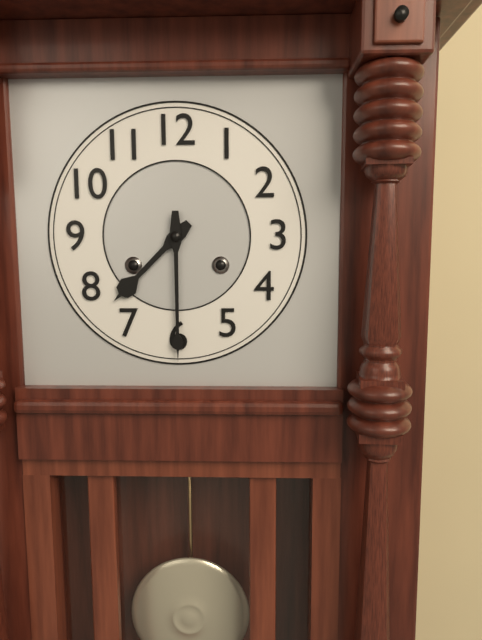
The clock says 7:30
